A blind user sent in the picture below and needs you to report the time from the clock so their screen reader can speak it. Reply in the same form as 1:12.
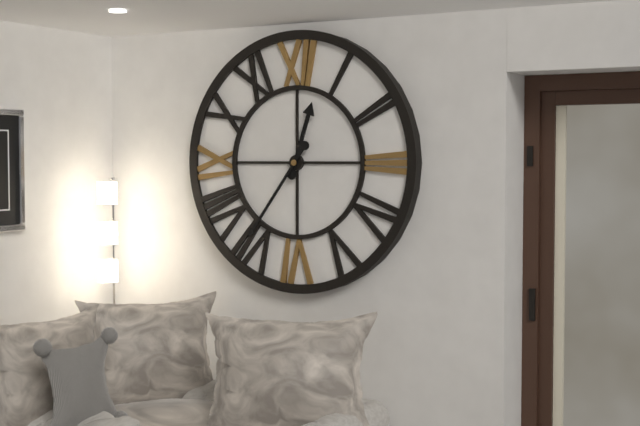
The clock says 12:36
